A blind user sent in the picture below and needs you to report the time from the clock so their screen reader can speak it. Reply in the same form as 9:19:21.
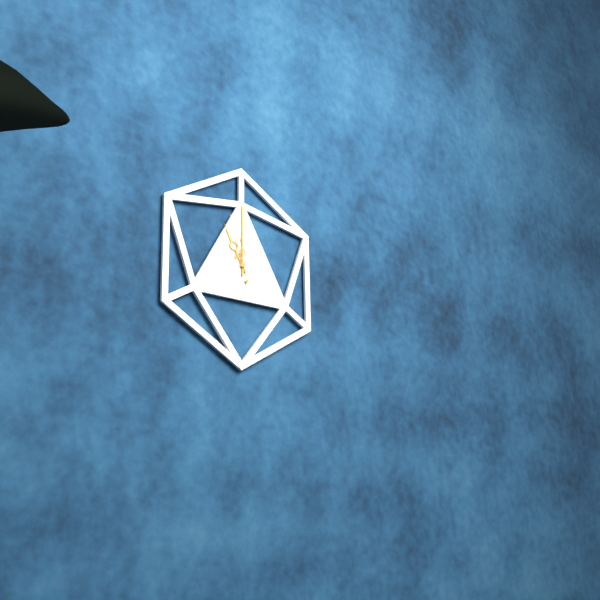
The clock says 11:00:57
